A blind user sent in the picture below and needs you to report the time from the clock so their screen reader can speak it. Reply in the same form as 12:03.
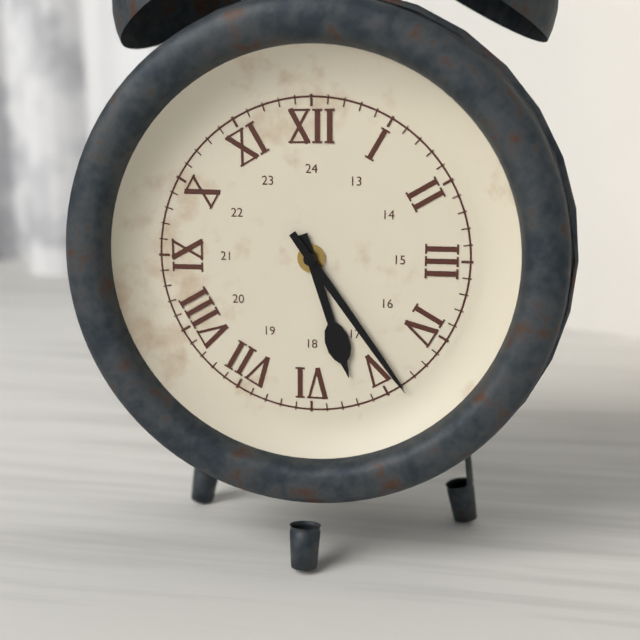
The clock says 5:24
